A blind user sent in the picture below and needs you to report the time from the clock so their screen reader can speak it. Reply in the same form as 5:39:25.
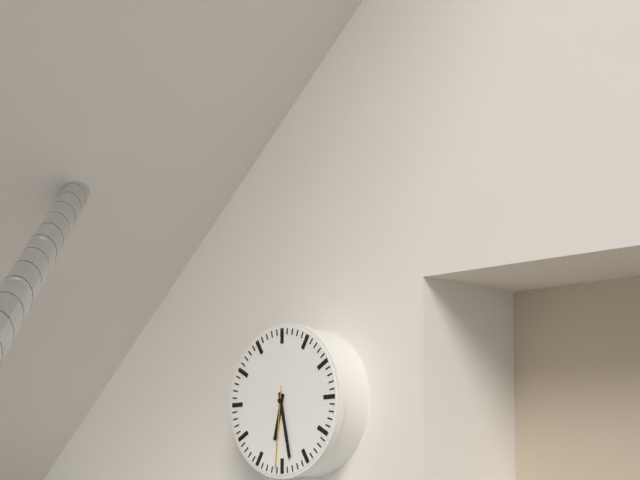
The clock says 6:28:31
